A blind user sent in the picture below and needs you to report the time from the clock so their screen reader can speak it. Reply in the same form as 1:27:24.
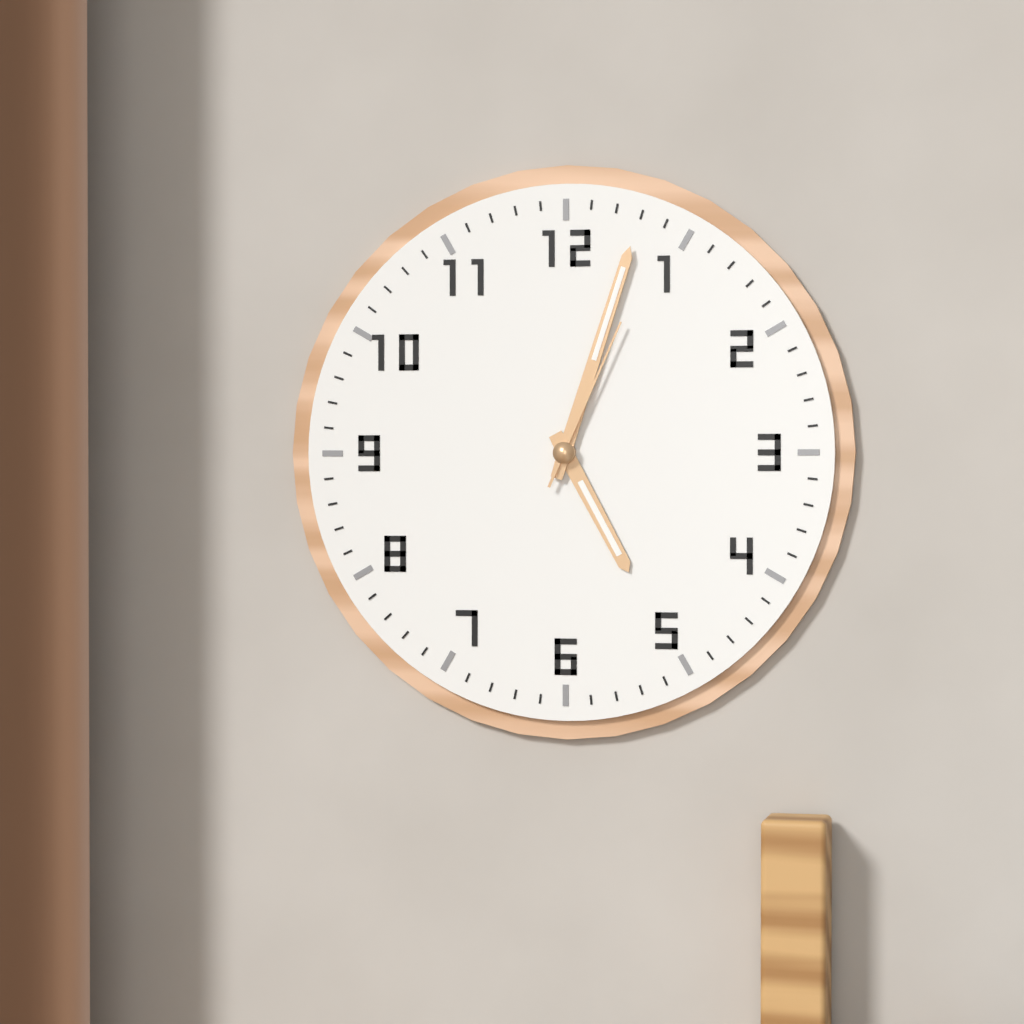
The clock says 5:03:04
